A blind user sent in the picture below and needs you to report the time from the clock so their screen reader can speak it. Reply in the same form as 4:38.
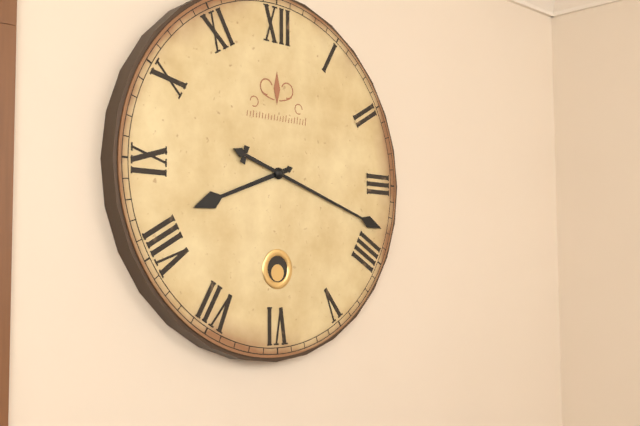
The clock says 8:18
